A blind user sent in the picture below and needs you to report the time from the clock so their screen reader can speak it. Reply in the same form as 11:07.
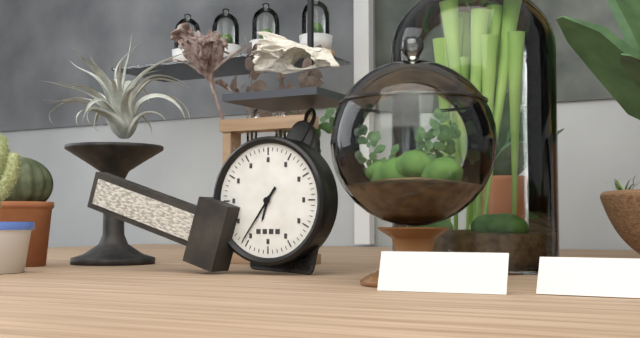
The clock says 6:36
